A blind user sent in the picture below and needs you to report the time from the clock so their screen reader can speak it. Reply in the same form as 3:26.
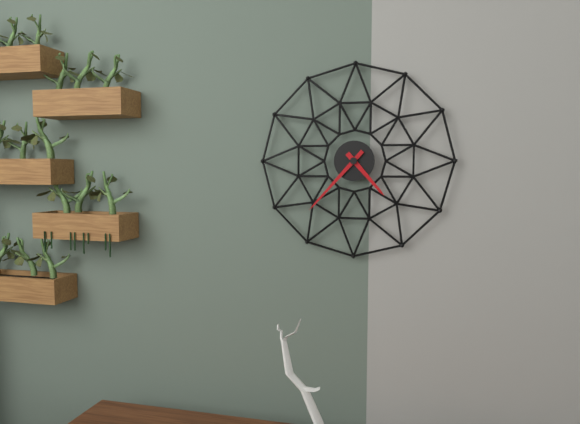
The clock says 4:37
